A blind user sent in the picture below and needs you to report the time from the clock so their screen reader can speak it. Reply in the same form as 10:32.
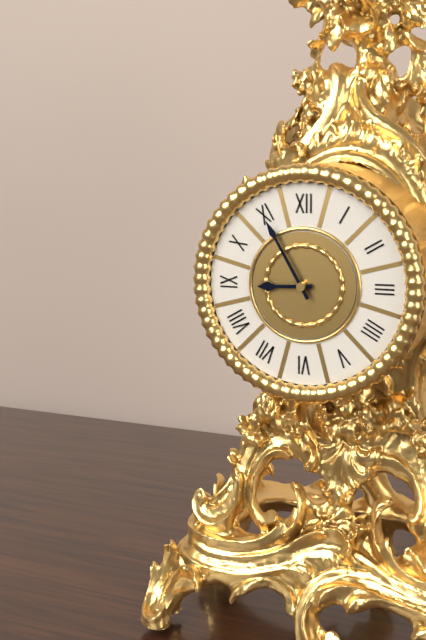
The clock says 8:55
